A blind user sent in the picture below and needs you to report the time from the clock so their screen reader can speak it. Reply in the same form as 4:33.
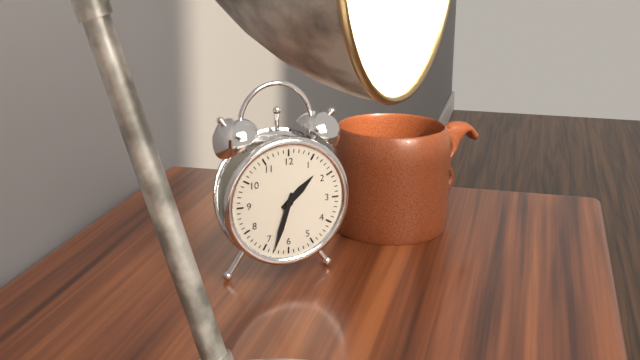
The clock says 1:33
